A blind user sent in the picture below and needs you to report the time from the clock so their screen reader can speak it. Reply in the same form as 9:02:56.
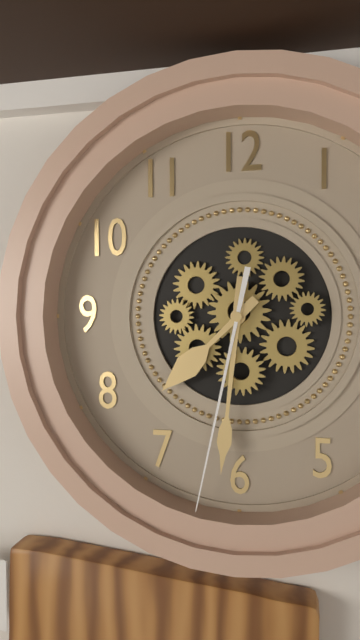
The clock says 7:31:32
